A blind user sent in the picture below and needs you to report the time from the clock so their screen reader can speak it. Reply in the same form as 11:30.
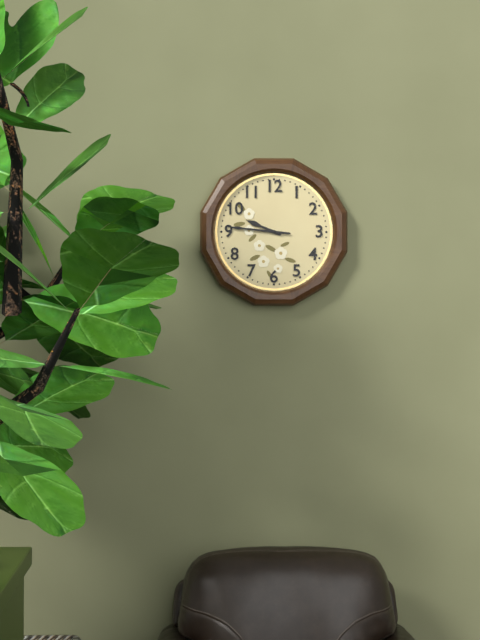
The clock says 9:46
